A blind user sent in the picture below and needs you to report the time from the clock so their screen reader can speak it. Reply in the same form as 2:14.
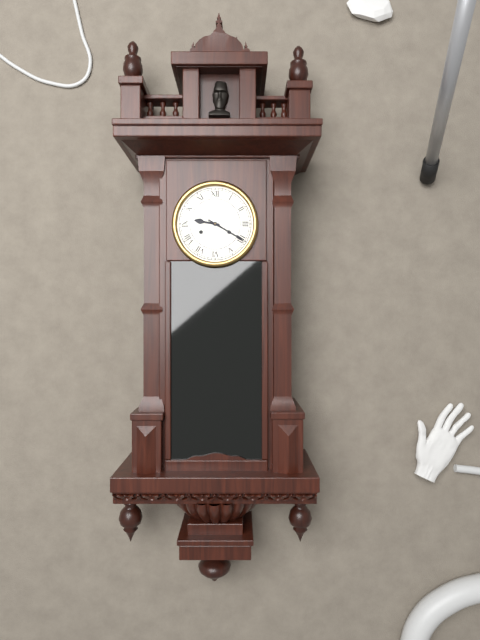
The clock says 9:20
